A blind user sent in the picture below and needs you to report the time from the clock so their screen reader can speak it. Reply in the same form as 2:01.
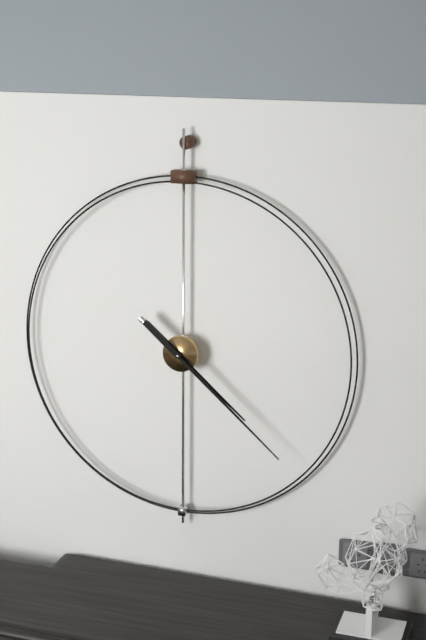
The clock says 4:22
